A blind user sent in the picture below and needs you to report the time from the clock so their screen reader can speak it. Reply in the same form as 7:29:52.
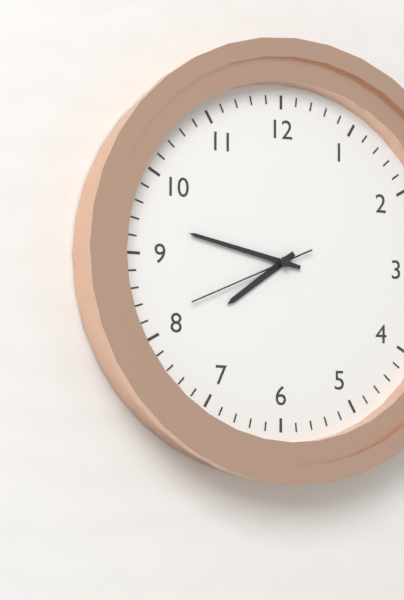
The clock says 7:47:41
